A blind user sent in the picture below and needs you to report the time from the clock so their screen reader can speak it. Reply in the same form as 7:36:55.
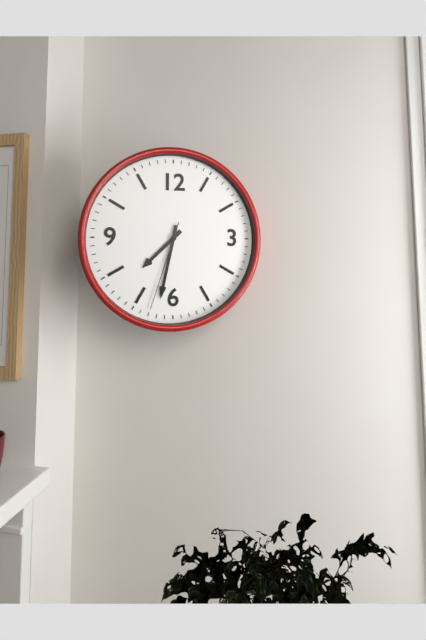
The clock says 7:32:33
